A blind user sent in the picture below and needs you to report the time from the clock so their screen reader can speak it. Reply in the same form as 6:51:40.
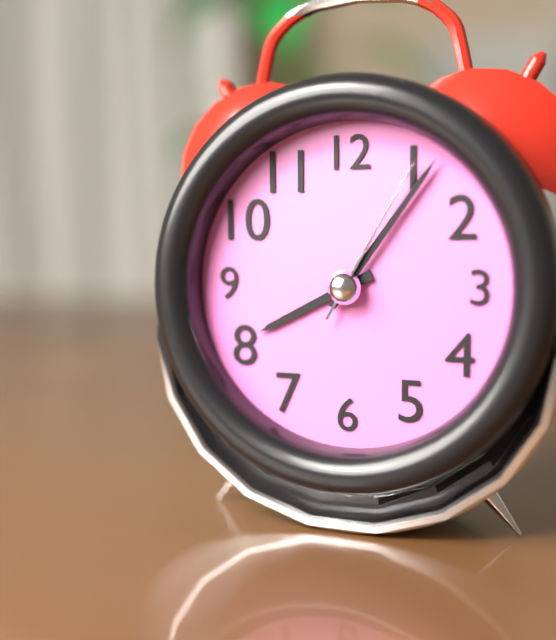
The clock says 8:06:05
